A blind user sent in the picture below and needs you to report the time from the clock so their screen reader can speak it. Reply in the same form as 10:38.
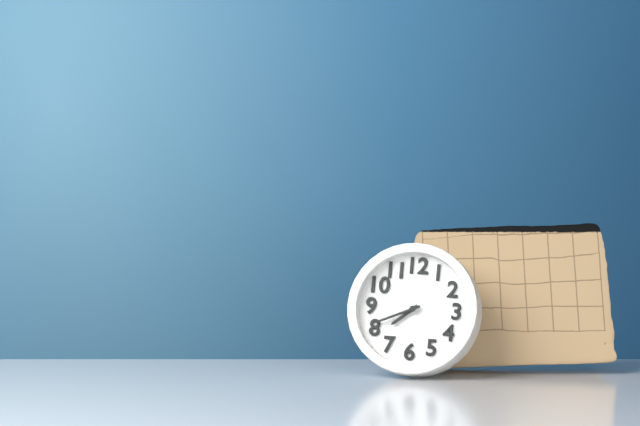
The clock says 7:41
